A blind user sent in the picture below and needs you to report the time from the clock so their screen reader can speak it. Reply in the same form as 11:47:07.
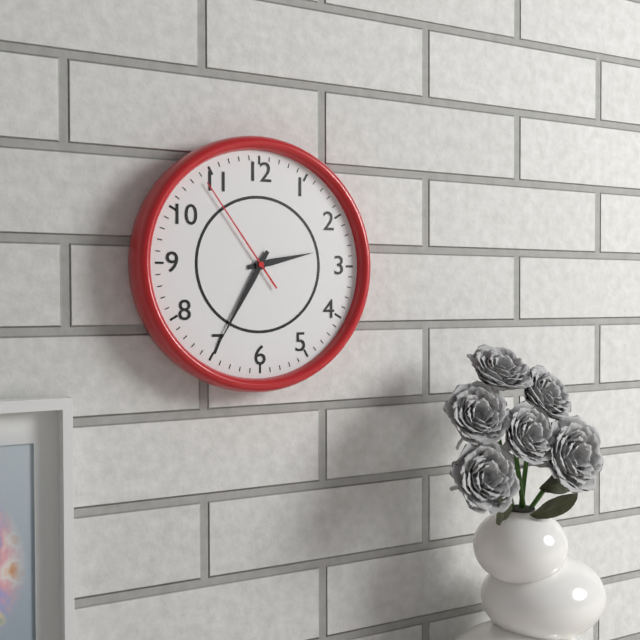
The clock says 2:35:54
